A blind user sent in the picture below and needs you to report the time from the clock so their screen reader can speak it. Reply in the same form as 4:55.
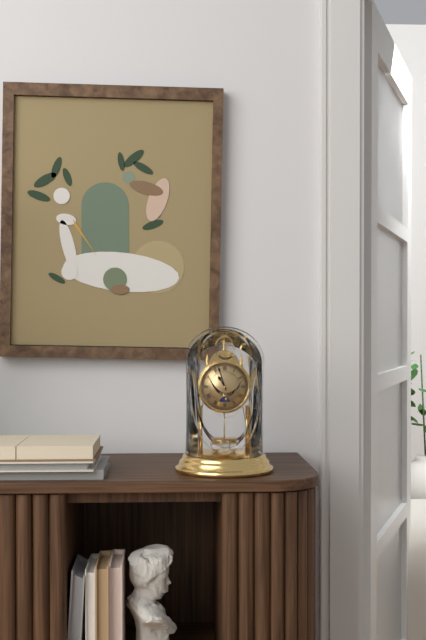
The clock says 10:57
